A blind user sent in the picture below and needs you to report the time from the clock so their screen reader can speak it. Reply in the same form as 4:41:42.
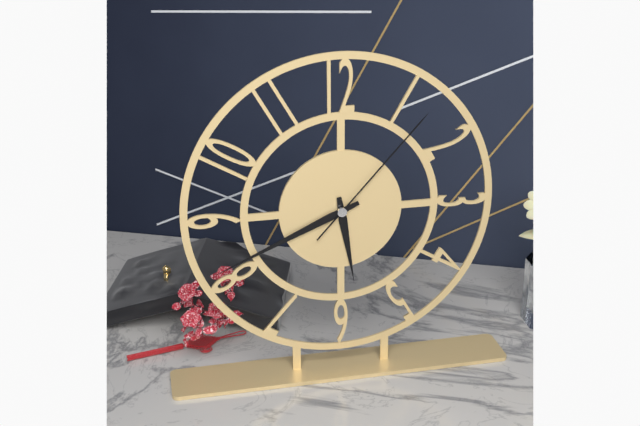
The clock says 5:41:07
